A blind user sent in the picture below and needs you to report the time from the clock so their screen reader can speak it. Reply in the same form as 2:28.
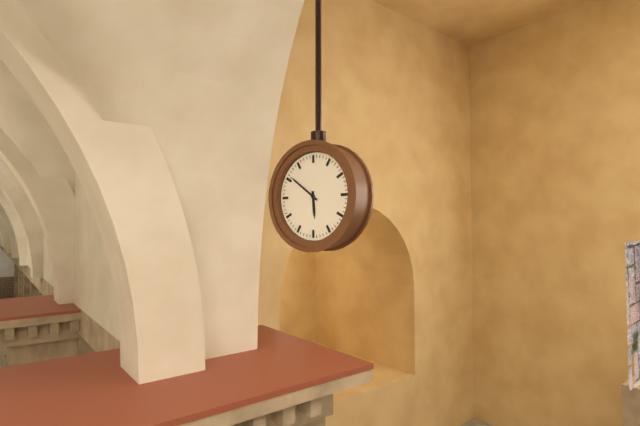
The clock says 5:51
